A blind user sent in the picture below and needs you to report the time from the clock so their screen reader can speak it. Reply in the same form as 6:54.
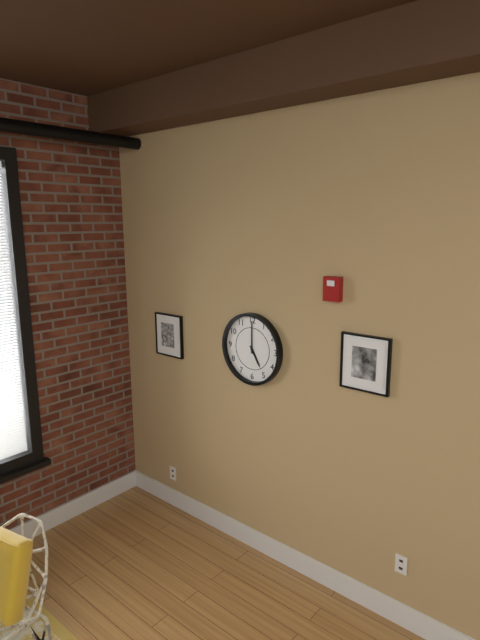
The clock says 5:00
